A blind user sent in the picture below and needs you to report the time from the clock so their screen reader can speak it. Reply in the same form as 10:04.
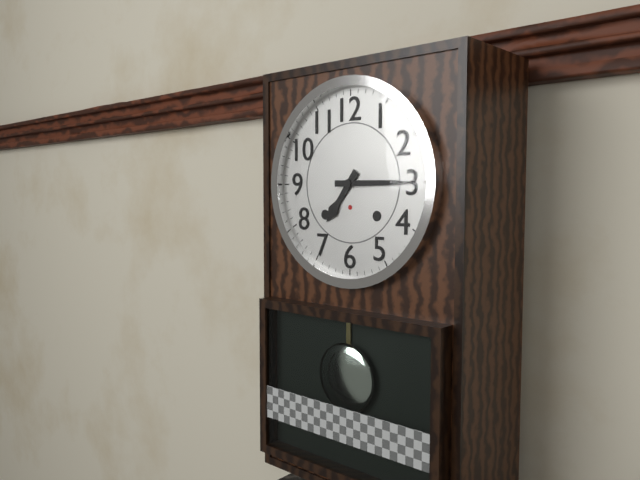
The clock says 7:15
